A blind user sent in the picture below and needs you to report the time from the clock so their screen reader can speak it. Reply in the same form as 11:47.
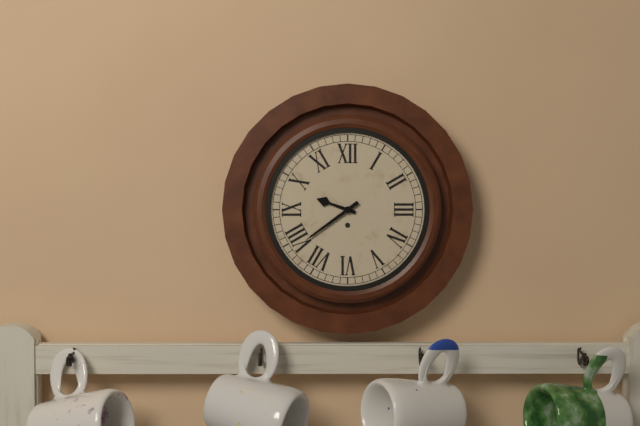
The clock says 9:39
